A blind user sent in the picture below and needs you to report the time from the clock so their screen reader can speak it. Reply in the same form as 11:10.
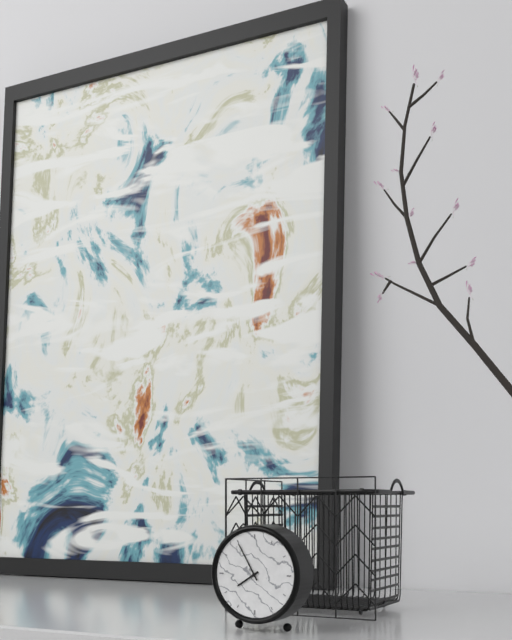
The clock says 7:55
